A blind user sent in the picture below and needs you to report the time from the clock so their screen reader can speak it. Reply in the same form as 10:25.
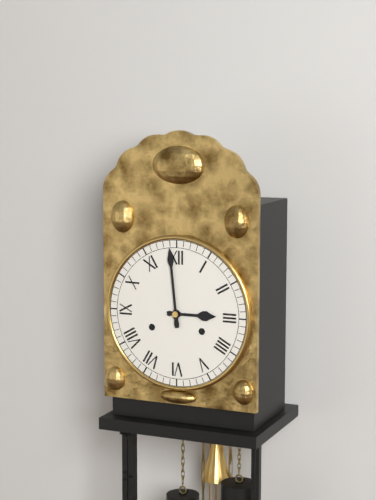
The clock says 2:59
